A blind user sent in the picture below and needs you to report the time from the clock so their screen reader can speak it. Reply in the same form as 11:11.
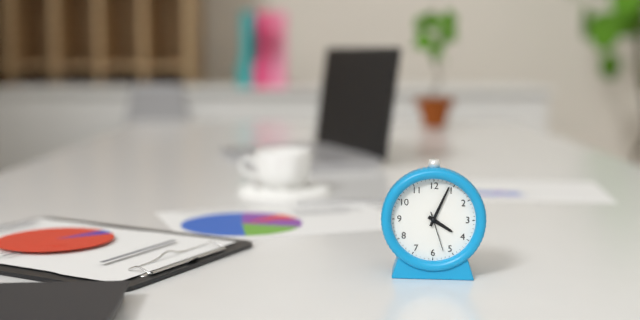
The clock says 4:04
